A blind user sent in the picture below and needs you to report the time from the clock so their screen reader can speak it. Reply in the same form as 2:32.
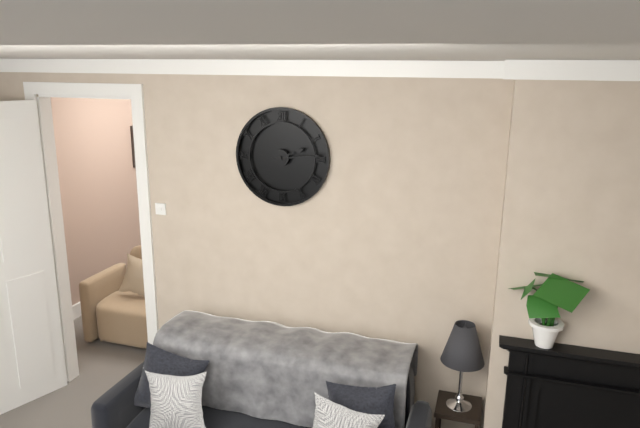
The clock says 2:14
